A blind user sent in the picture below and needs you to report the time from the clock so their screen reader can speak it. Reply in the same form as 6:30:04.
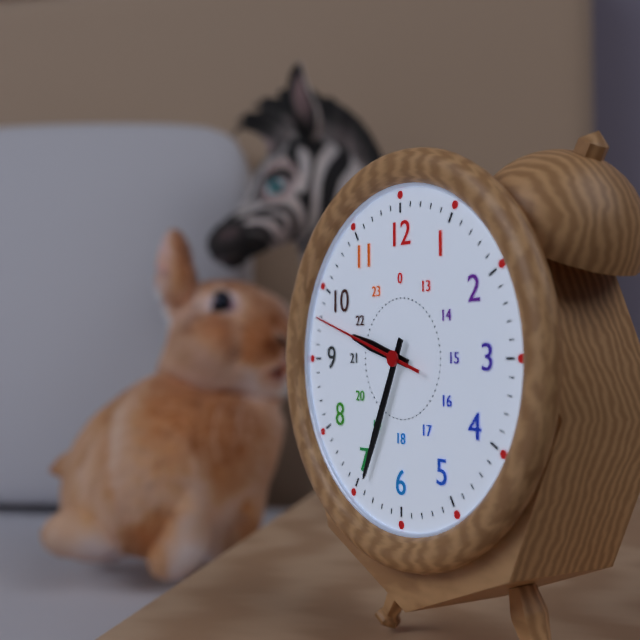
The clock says 9:34:48
